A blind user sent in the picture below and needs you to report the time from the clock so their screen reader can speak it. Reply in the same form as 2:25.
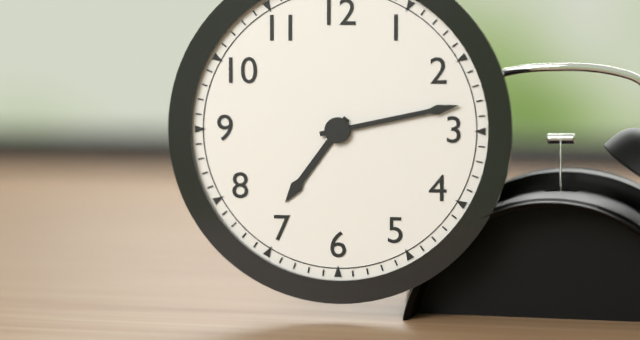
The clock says 7:13
